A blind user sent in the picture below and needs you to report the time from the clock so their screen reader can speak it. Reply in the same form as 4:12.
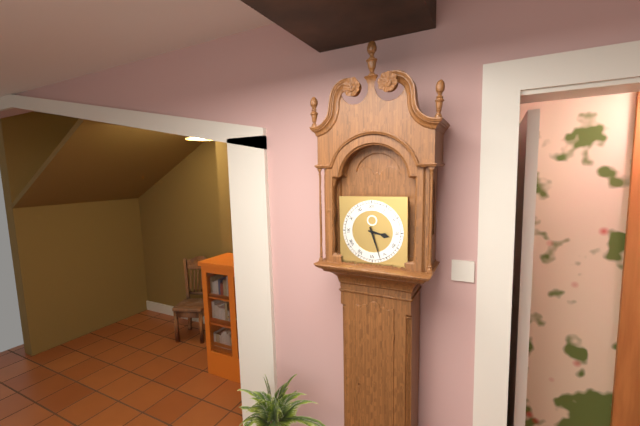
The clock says 3:27
